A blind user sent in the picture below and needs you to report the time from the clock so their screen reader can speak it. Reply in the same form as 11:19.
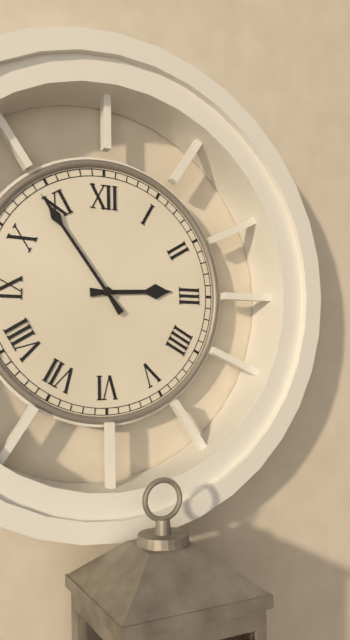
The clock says 2:54
